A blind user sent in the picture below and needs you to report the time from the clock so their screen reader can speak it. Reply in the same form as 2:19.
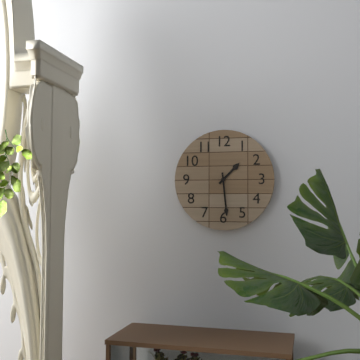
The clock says 1:29
